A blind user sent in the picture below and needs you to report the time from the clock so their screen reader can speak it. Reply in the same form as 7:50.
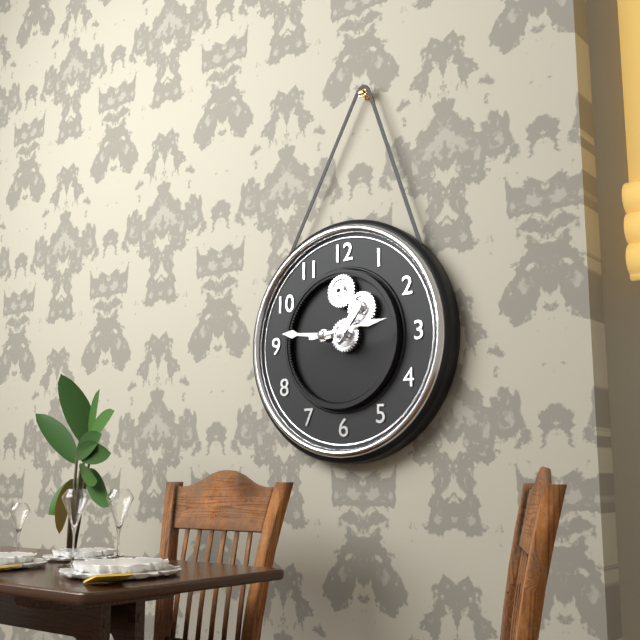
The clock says 9:14
